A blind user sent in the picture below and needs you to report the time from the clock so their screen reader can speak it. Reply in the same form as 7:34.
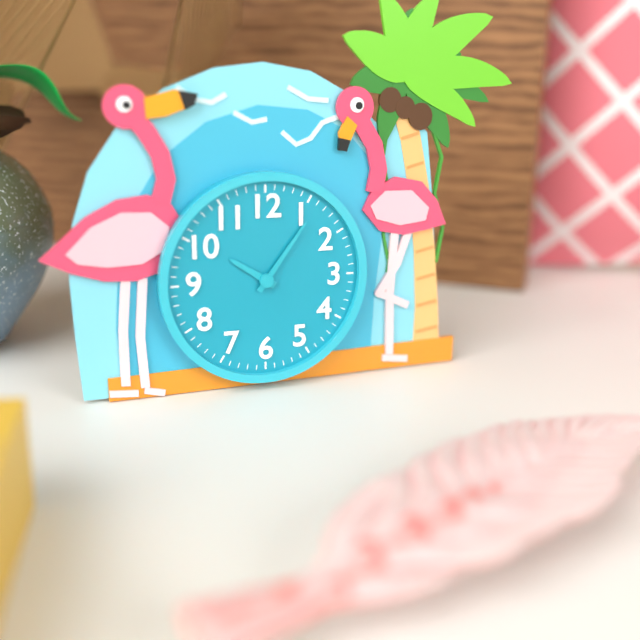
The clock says 10:06
